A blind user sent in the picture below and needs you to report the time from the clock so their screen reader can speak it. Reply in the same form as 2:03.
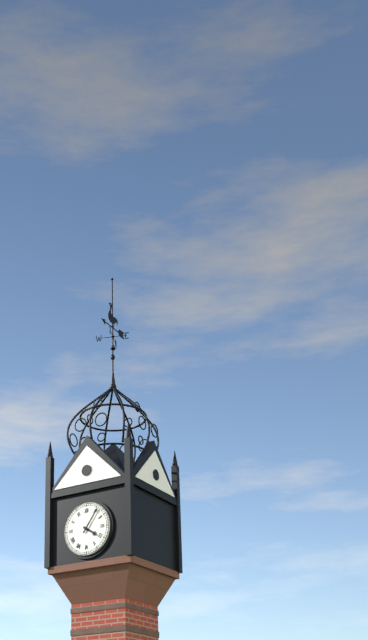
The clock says 4:06
